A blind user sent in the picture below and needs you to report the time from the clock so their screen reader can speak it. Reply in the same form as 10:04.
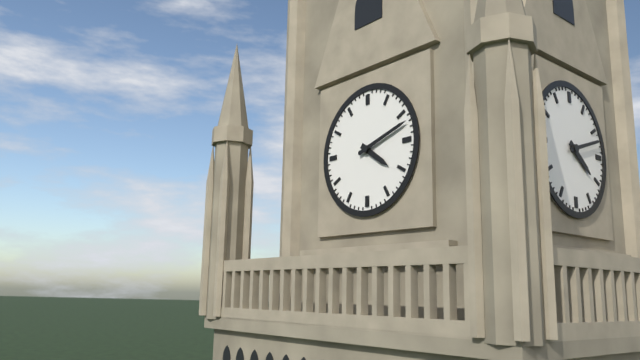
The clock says 4:12
